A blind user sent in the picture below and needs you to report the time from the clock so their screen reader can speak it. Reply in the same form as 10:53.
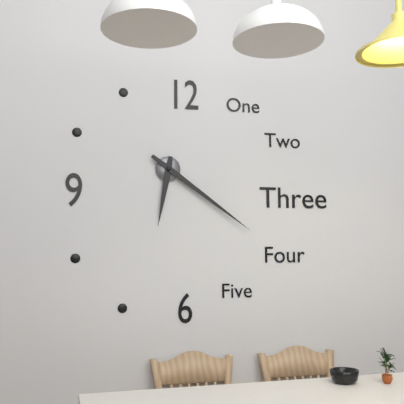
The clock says 6:21
